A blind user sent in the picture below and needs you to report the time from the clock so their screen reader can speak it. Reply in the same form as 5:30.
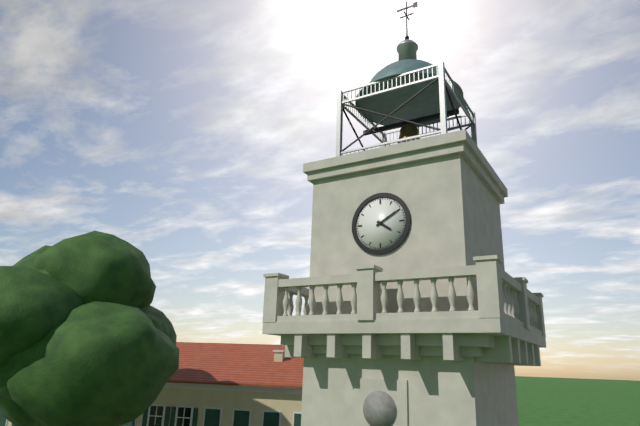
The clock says 4:10
